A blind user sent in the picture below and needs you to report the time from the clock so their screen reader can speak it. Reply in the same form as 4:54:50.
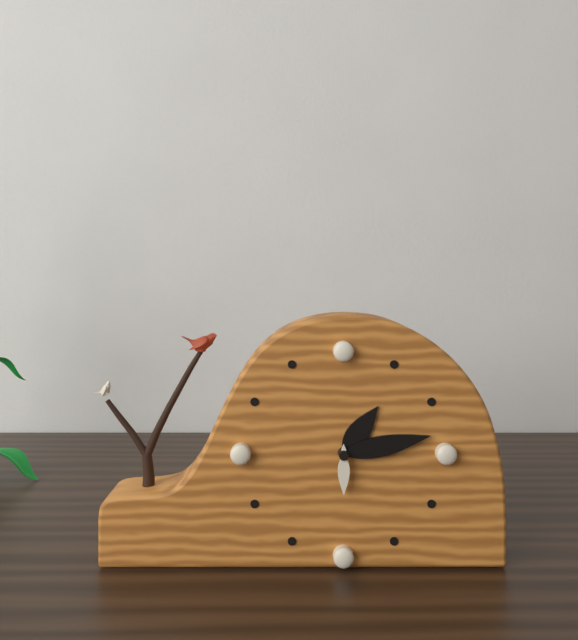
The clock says 1:13:30
